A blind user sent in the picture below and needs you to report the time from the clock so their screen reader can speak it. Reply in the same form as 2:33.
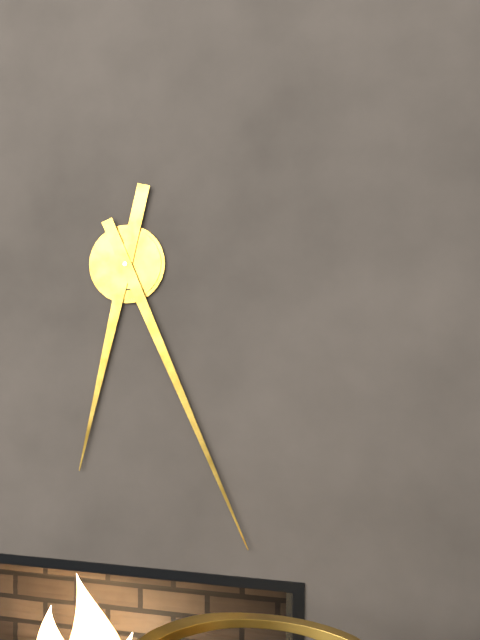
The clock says 6:26
